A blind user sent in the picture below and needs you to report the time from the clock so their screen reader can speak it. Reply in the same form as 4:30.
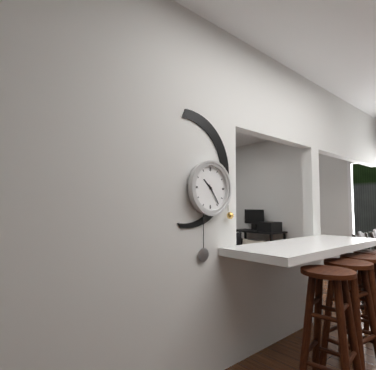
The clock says 10:24
